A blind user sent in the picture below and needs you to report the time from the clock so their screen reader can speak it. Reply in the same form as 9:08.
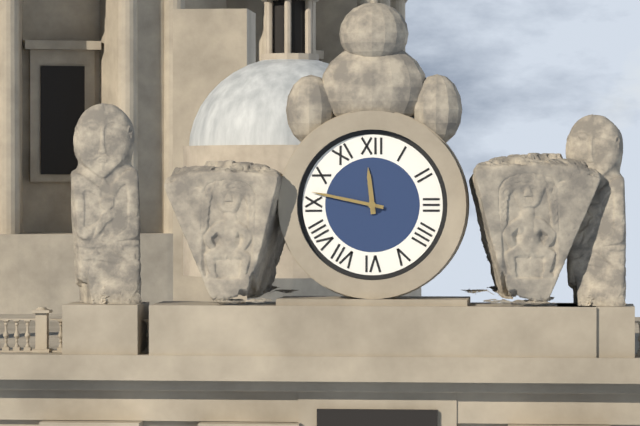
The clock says 11:47
